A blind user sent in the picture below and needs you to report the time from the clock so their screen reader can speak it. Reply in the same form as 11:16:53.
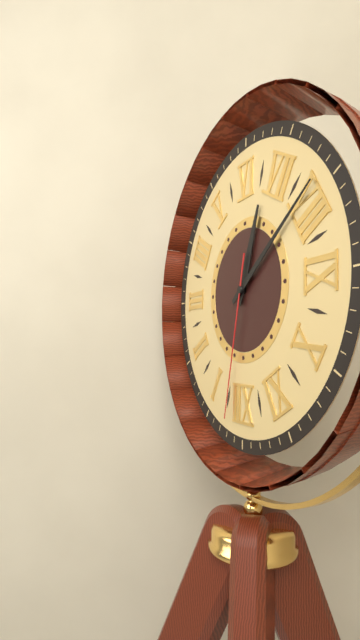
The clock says 6:39:02
